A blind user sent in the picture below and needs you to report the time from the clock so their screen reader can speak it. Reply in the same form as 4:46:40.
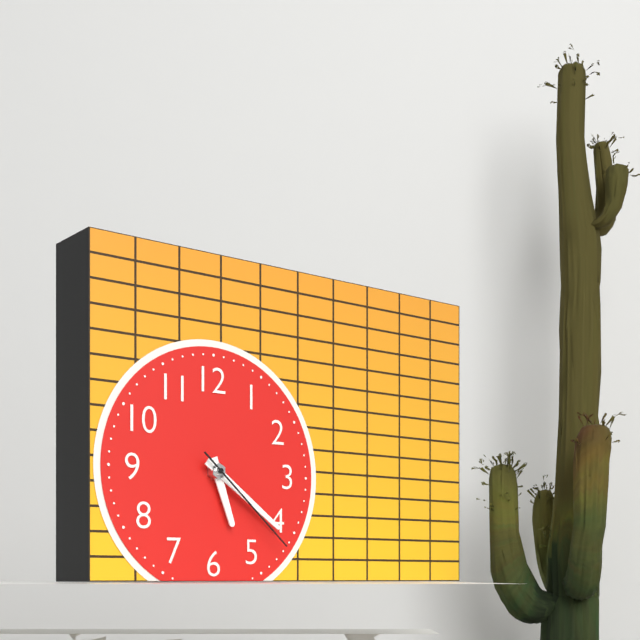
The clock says 5:21:22
